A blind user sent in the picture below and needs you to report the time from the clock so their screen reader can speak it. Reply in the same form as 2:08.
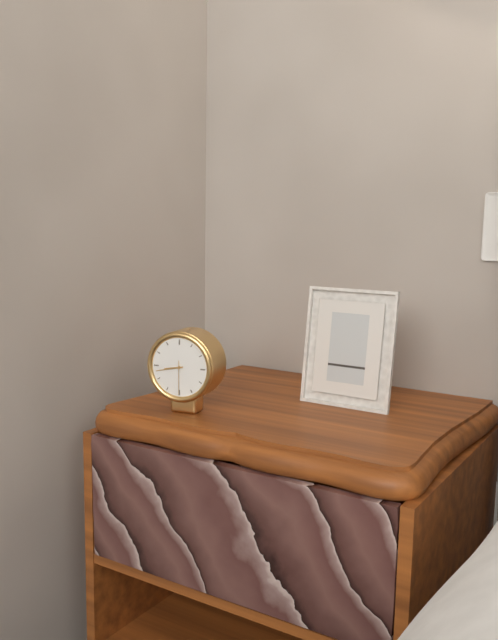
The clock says 8:43
